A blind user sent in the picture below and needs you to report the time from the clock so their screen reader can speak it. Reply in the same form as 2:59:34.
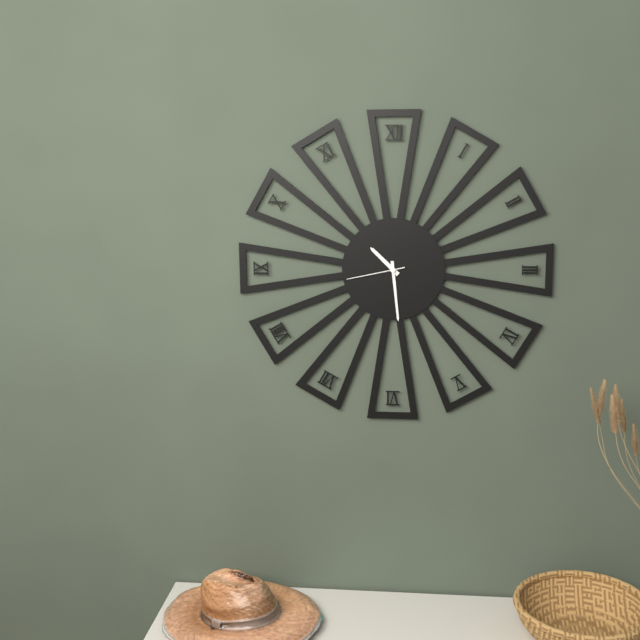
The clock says 10:29:43
